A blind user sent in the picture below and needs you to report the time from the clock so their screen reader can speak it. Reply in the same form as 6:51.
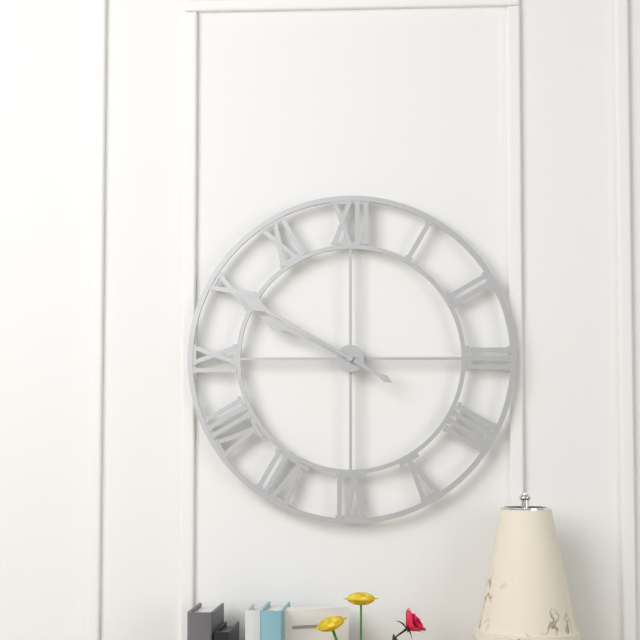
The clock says 9:50
